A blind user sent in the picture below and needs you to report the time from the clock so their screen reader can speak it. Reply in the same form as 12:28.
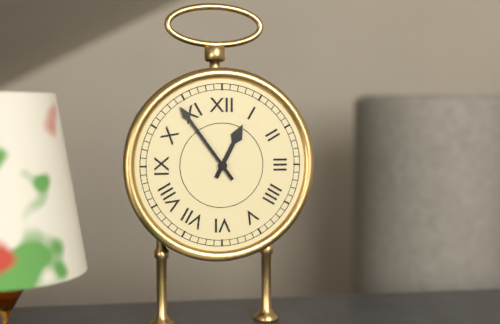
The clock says 12:54
